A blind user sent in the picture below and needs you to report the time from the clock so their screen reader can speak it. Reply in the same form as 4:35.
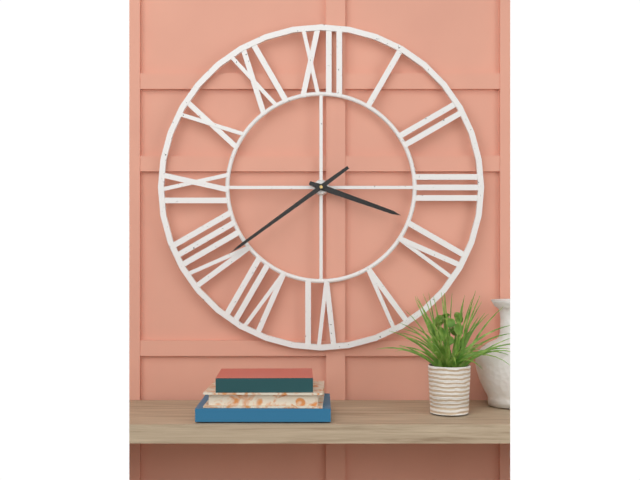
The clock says 3:39
